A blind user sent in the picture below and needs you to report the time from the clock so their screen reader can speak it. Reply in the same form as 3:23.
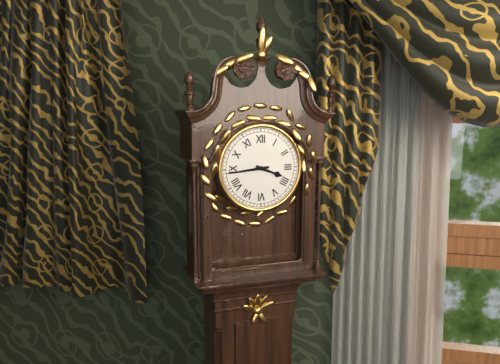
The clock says 3:44
